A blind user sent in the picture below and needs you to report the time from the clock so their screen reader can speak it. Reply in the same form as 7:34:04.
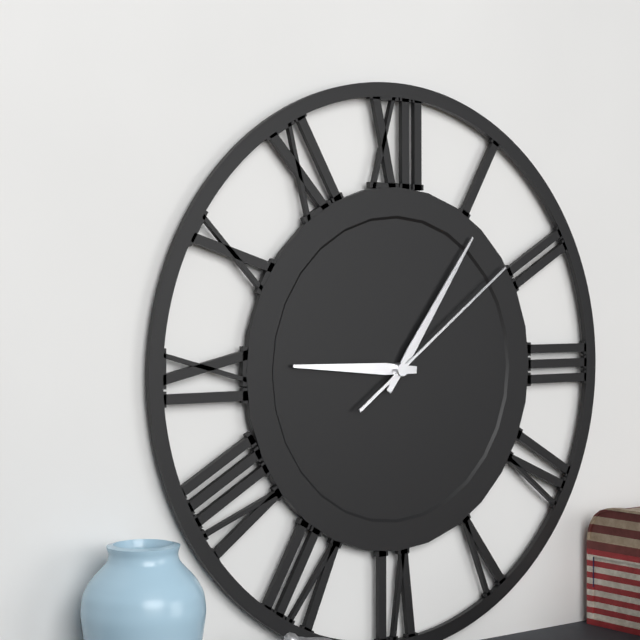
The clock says 9:06:09
